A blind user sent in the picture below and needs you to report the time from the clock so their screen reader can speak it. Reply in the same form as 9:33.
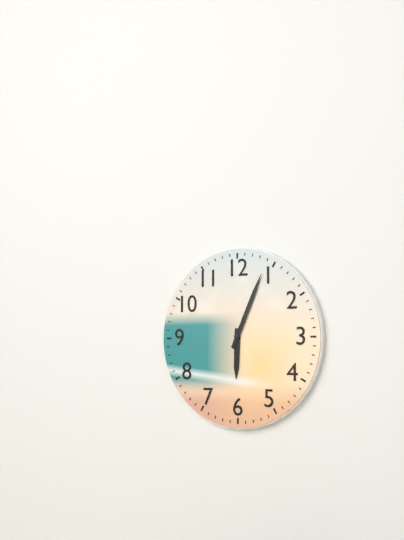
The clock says 6:04
